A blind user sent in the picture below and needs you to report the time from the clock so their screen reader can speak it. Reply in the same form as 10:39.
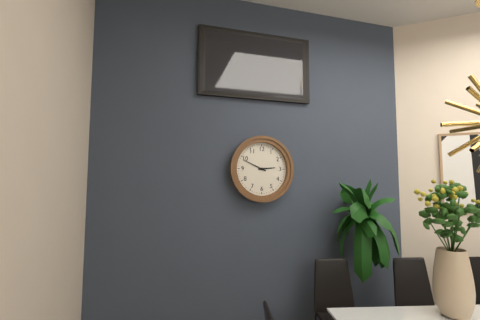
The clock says 2:49
